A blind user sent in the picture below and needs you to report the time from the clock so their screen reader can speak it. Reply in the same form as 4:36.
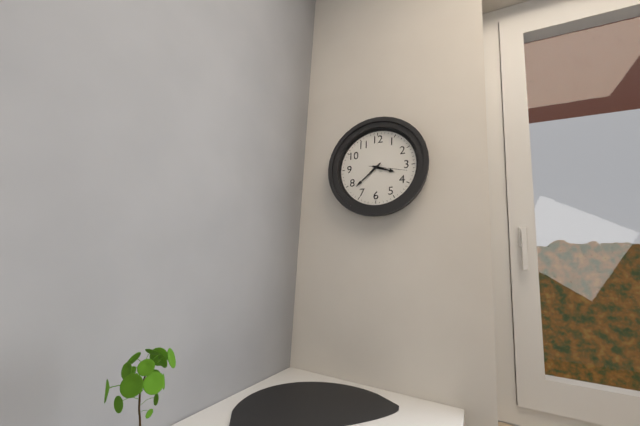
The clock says 3:38
